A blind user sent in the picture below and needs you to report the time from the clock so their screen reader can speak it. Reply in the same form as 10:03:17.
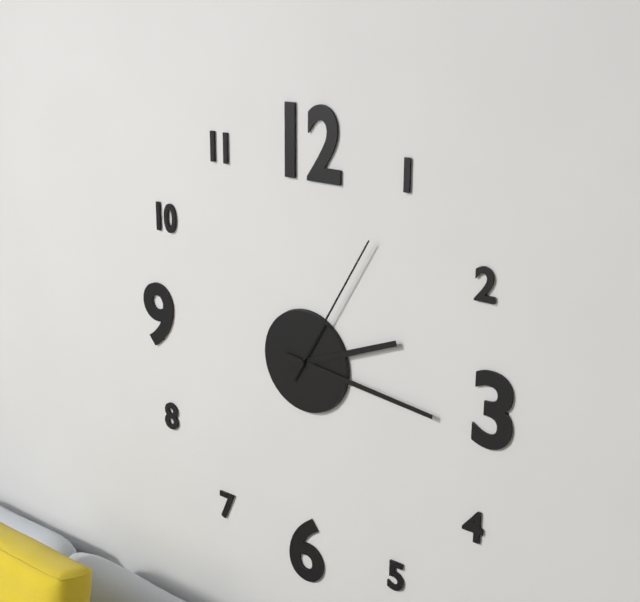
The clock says 2:16:05
